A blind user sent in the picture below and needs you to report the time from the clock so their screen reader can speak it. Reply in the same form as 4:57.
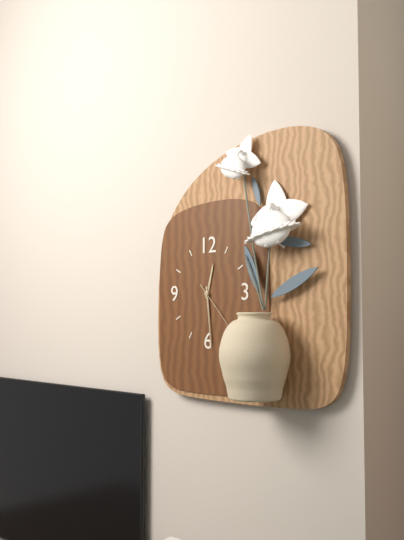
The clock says 12:29
